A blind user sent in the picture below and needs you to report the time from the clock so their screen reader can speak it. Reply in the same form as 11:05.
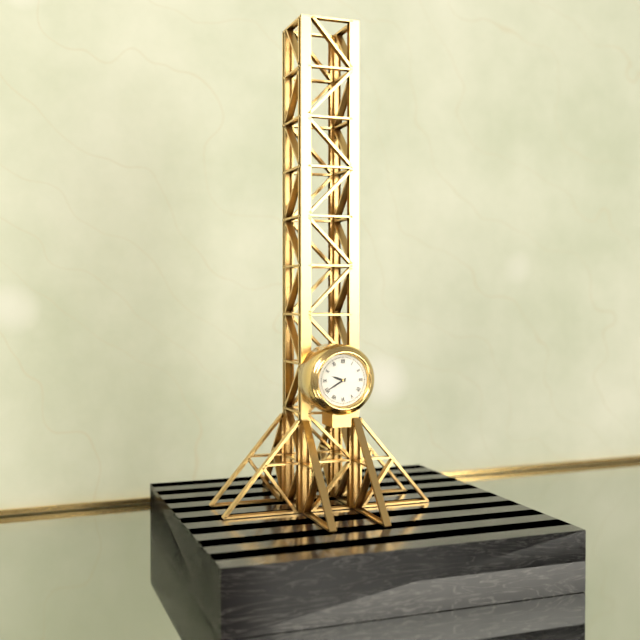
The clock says 9:40
